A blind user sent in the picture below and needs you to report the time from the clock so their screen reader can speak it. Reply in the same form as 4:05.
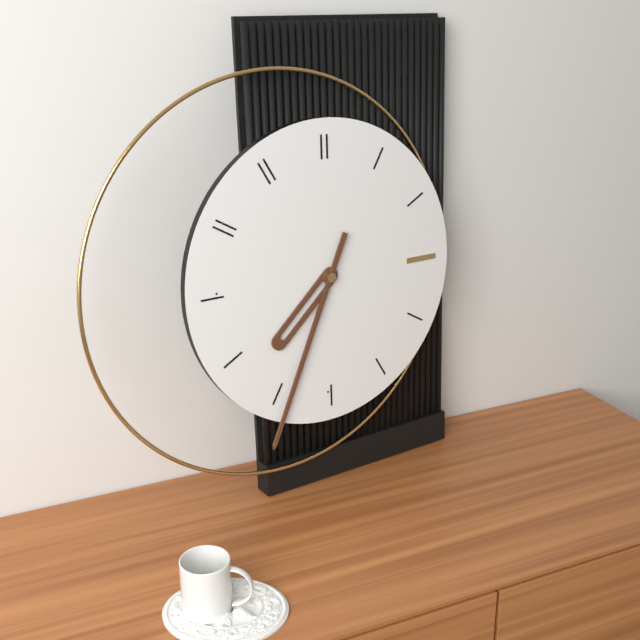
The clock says 7:34
